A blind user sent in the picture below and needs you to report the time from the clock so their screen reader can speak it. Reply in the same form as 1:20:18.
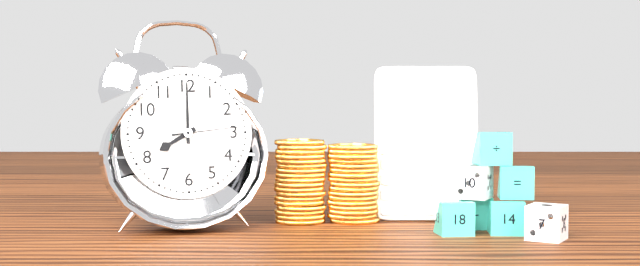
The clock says 8:00:14
